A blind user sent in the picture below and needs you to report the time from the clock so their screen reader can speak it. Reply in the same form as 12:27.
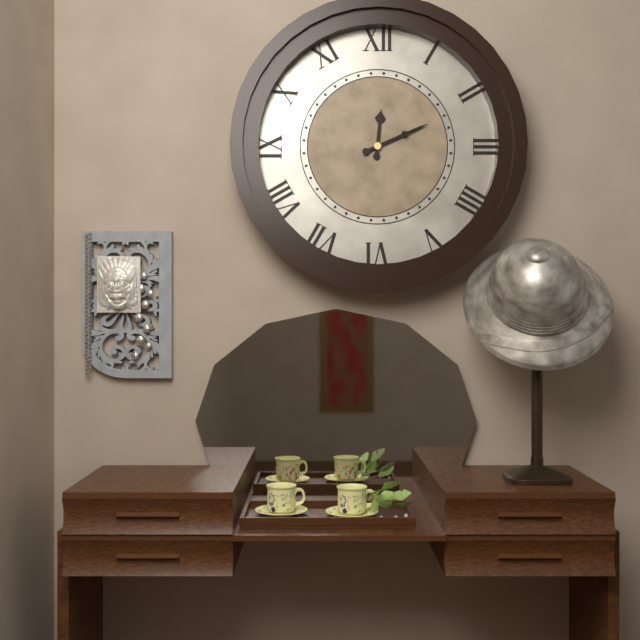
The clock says 12:11
